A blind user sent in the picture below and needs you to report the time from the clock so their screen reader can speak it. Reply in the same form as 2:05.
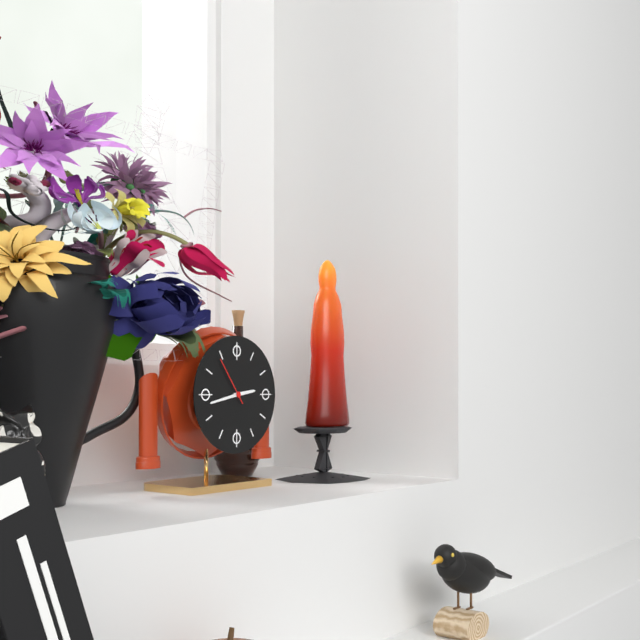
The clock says 2:43
